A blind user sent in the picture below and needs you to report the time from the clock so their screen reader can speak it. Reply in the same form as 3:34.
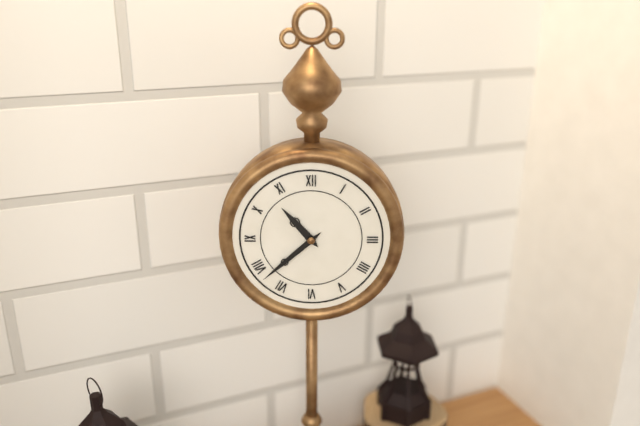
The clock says 10:38
